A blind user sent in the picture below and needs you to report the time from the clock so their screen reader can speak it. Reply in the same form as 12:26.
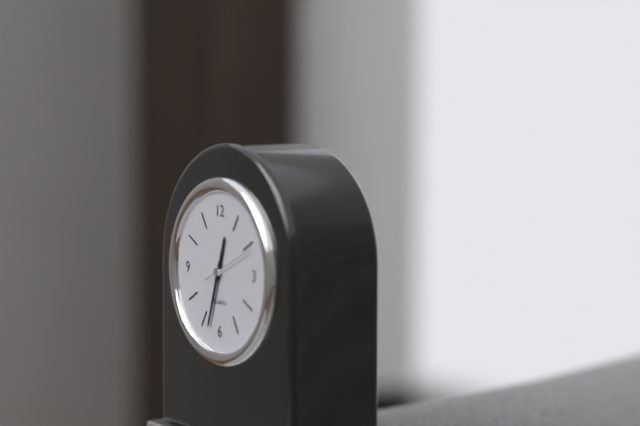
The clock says 12:33
